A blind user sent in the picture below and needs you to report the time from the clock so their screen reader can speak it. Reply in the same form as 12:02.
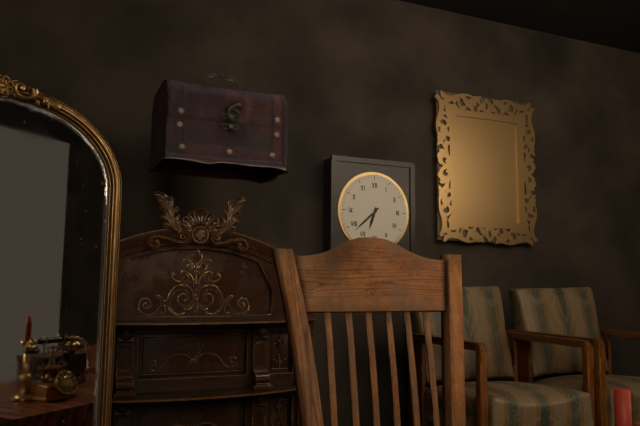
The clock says 6:38
